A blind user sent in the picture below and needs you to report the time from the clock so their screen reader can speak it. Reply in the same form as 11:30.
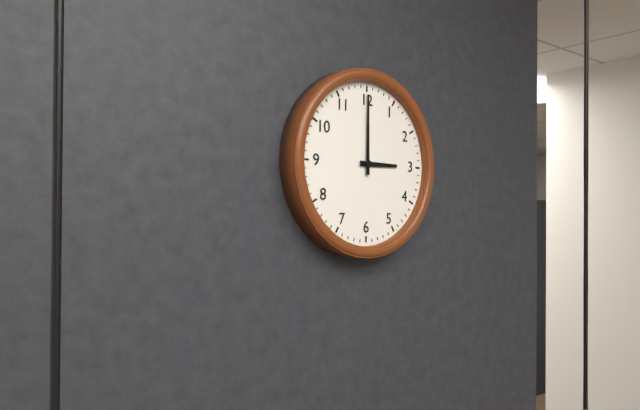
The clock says 3:00
